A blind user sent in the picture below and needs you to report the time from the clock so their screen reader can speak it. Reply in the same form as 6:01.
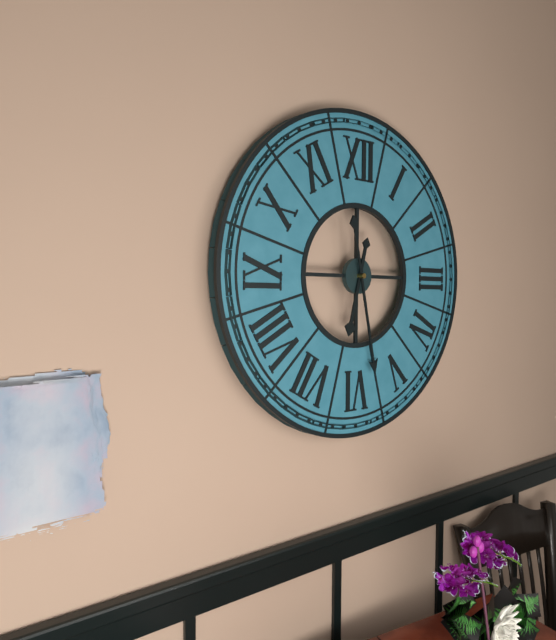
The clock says 6:28
